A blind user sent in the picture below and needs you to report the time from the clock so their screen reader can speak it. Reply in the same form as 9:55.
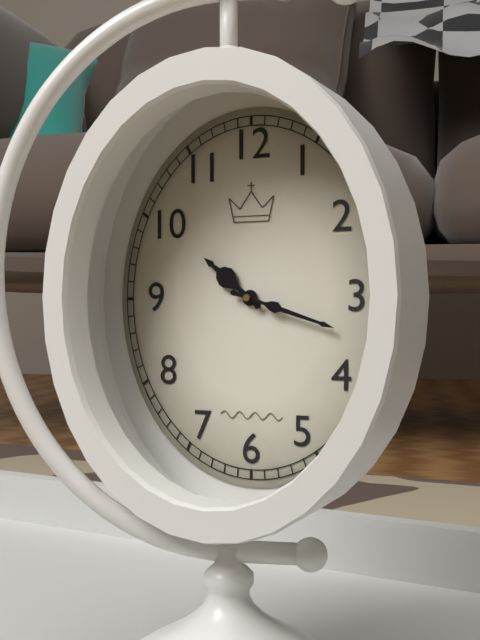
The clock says 10:18
